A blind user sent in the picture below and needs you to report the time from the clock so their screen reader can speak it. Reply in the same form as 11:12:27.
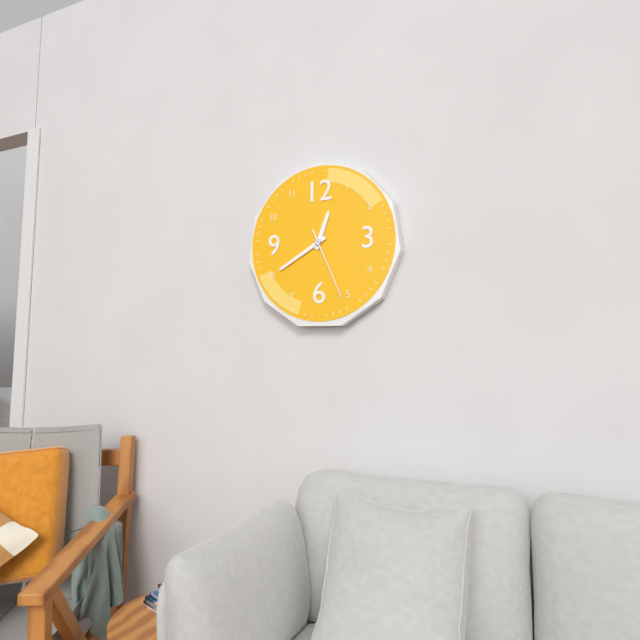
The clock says 12:40:26
